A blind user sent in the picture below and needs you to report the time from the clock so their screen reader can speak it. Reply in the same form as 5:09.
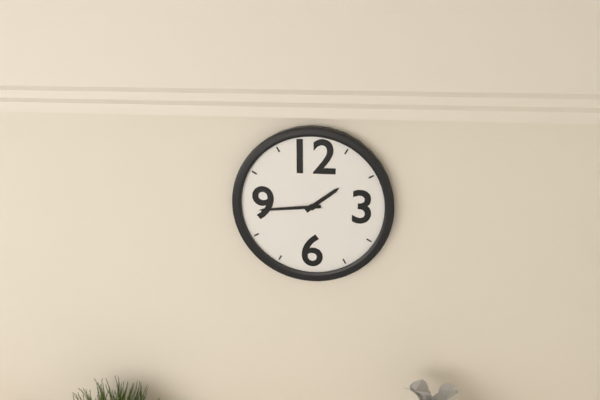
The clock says 1:44
